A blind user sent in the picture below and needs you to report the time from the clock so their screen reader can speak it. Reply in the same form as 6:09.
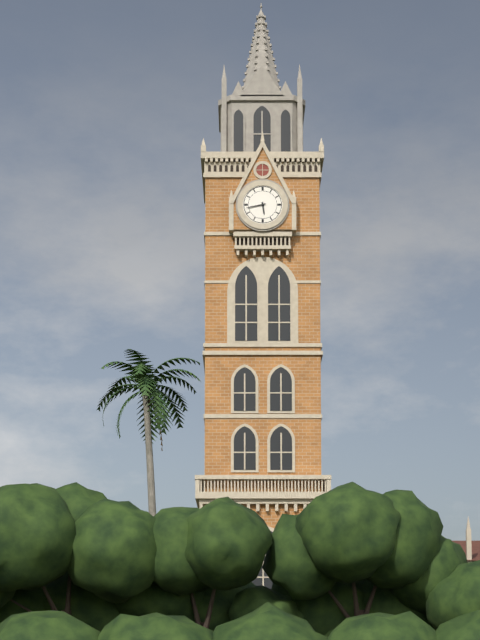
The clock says 5:43
